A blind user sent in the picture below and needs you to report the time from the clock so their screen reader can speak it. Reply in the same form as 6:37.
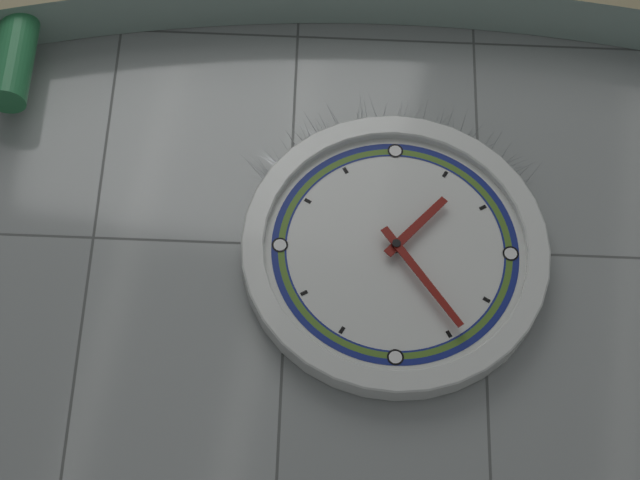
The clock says 1:24
